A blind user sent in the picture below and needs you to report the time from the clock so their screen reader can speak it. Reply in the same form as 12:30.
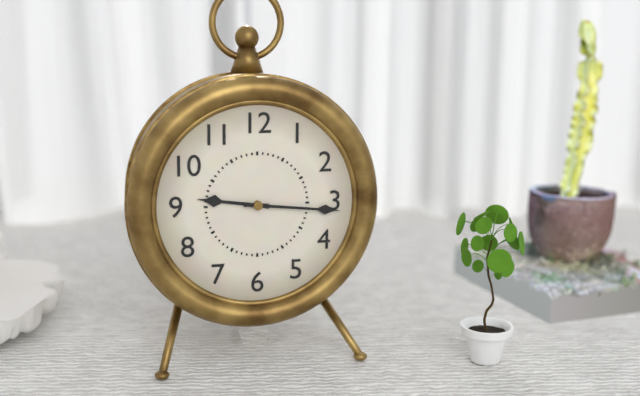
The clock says 9:16
